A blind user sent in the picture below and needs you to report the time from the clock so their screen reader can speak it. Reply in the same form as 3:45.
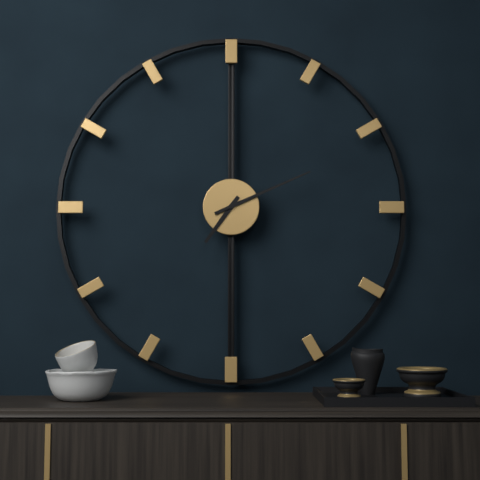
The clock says 7:11
